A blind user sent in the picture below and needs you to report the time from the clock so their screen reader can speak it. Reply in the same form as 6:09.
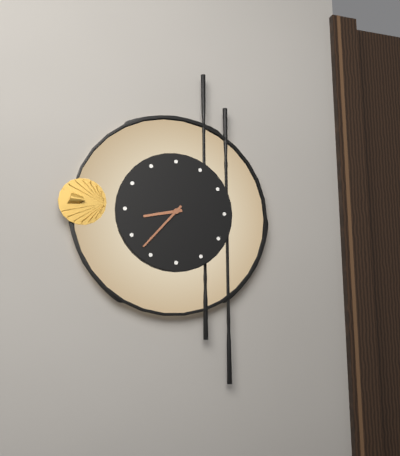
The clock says 8:37
